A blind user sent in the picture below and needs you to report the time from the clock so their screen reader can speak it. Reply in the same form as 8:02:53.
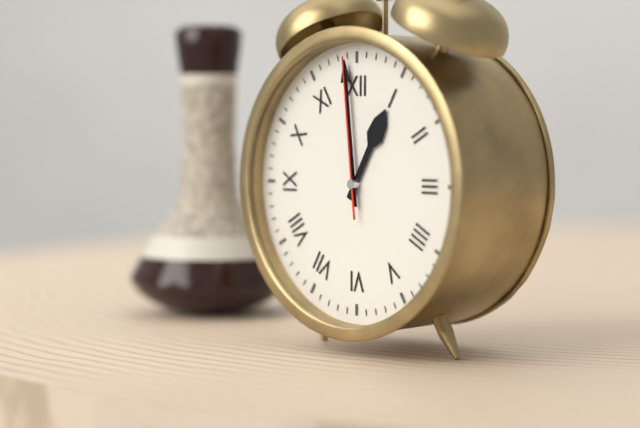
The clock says 12:59:59
